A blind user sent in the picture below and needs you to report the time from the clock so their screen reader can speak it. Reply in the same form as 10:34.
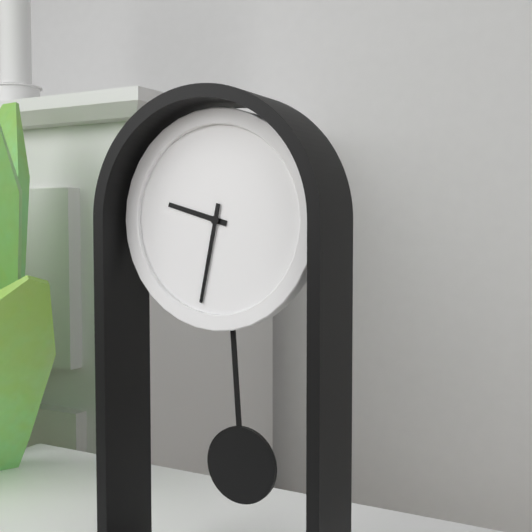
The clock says 9:32
